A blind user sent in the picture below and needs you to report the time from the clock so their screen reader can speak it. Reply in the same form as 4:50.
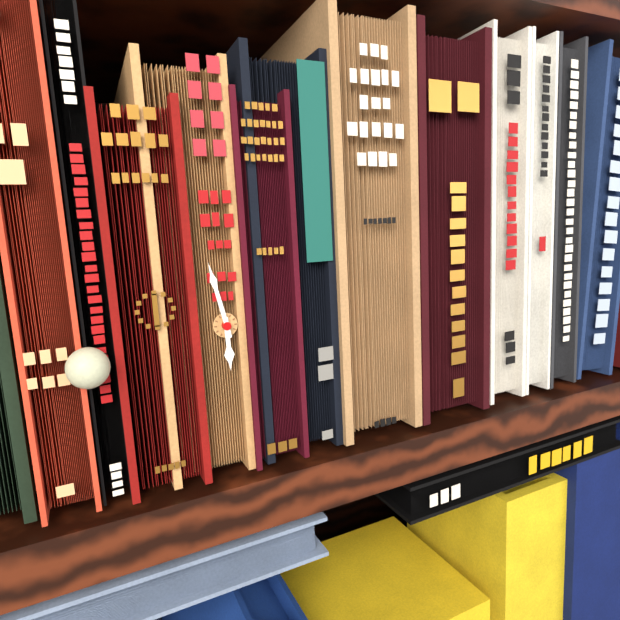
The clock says 5:58
